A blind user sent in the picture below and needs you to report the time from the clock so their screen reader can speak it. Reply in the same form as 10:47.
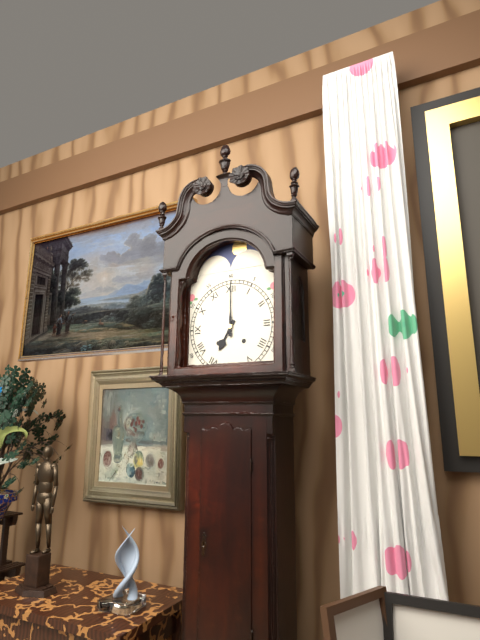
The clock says 7:00
